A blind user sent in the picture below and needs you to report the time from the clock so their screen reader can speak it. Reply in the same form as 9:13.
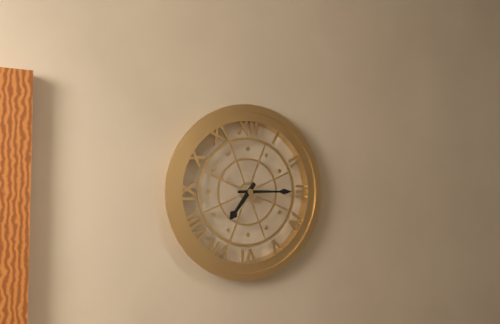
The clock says 7:15
